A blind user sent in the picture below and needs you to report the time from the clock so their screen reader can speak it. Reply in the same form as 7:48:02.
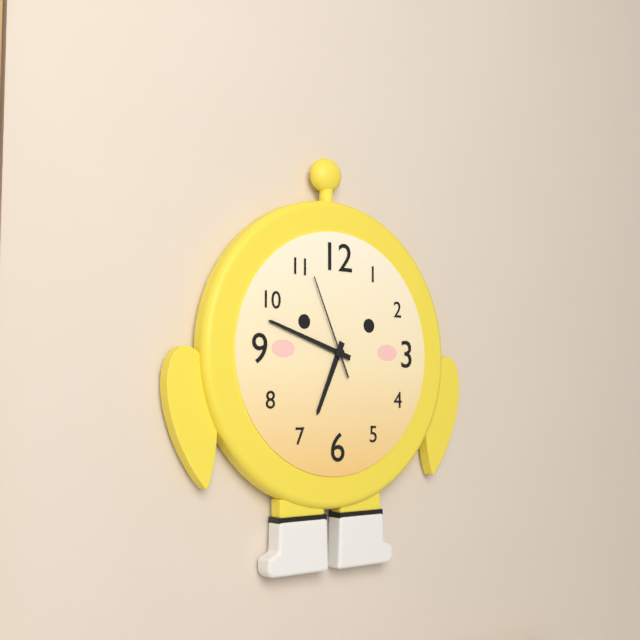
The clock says 6:48:56
